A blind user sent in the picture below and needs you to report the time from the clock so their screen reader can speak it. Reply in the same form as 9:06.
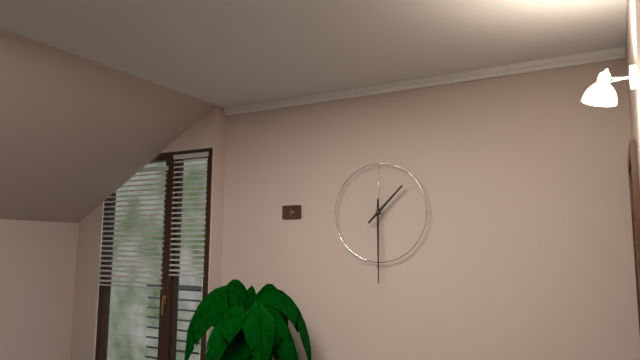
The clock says 1:30
